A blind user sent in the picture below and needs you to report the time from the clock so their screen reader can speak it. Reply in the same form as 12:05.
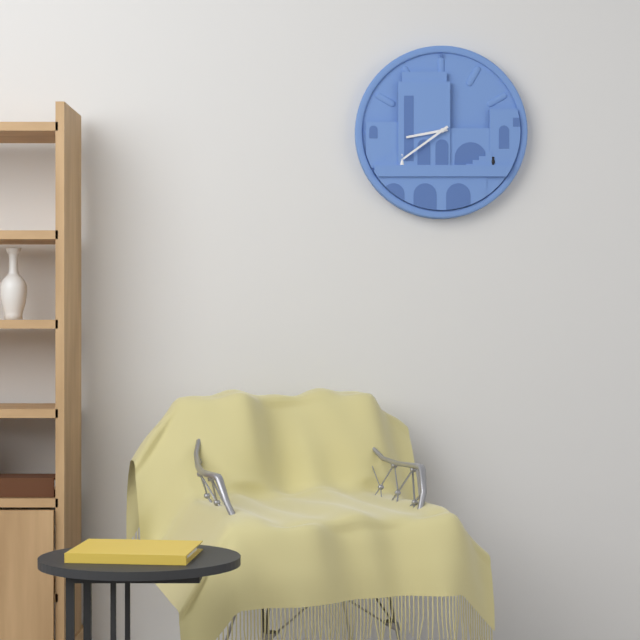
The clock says 8:39
